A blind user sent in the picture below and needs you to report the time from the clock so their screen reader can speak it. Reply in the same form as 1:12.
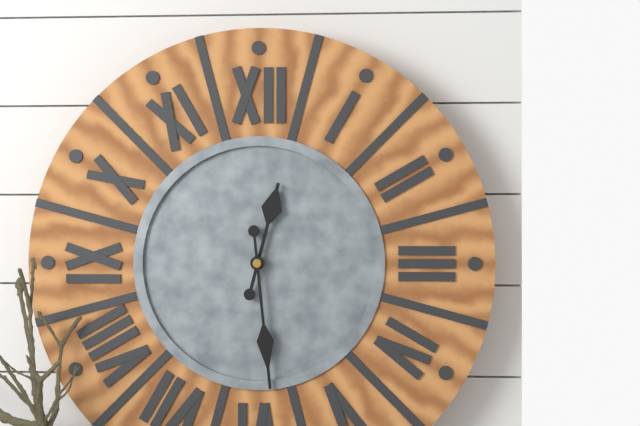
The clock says 12:29
